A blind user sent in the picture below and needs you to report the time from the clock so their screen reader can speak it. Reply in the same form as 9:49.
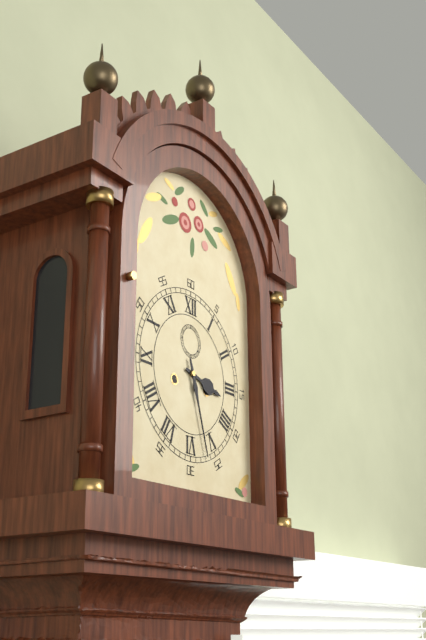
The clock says 3:27
